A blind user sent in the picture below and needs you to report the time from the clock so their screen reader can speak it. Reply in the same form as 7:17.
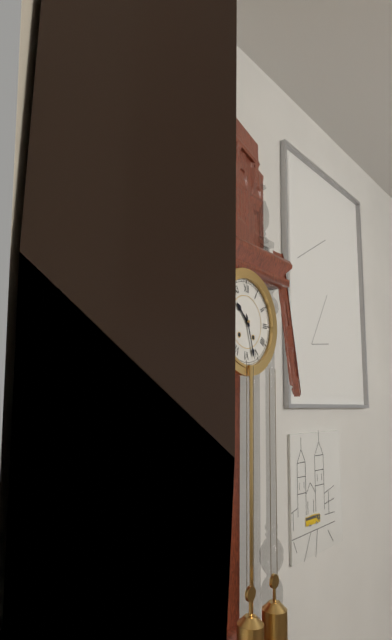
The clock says 10:27
